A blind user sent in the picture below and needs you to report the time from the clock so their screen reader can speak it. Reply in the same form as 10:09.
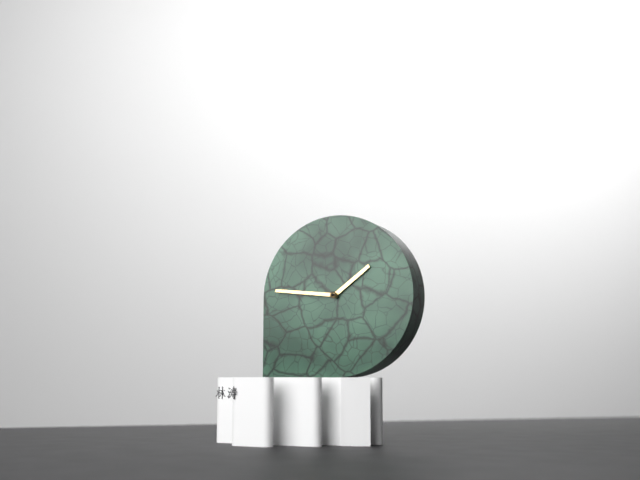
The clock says 1:46
